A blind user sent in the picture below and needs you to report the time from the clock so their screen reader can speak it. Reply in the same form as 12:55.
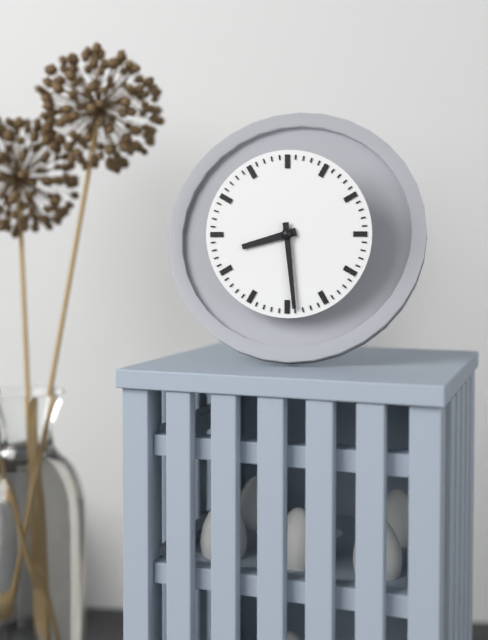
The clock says 8:29
